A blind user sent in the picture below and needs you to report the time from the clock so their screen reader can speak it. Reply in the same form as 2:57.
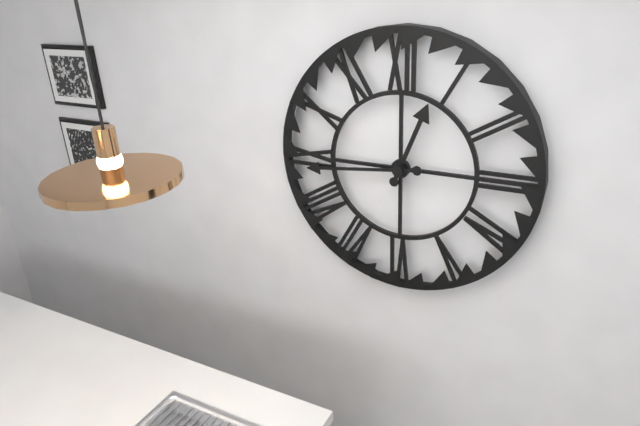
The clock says 12:44
